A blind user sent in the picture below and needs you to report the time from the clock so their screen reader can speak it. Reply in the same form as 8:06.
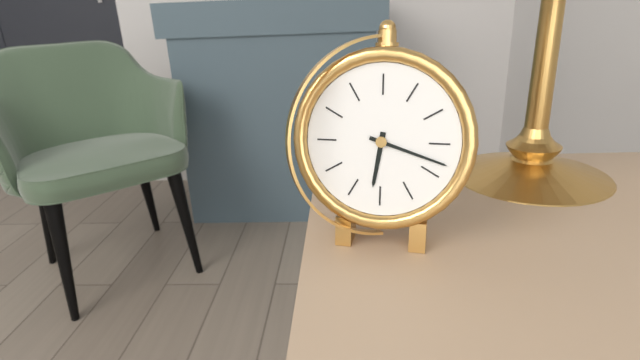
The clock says 6:18
